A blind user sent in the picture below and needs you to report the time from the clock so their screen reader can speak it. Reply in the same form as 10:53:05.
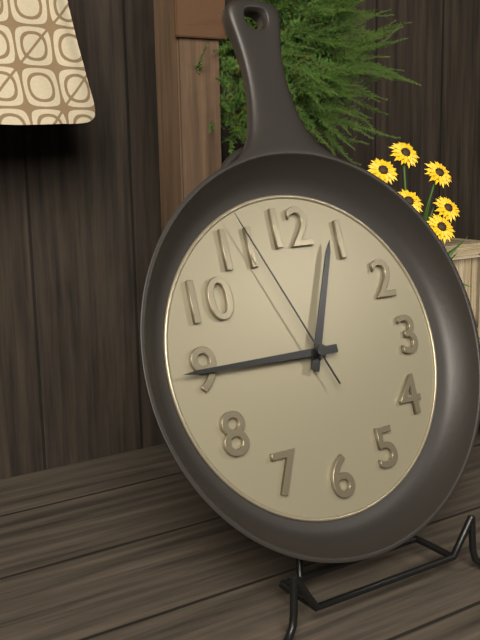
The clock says 12:45:56
